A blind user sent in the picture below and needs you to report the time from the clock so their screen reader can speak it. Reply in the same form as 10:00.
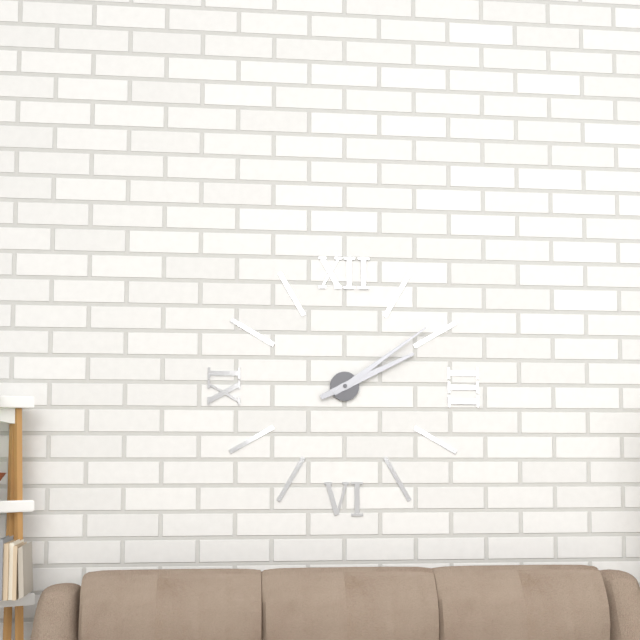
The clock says 2:09
